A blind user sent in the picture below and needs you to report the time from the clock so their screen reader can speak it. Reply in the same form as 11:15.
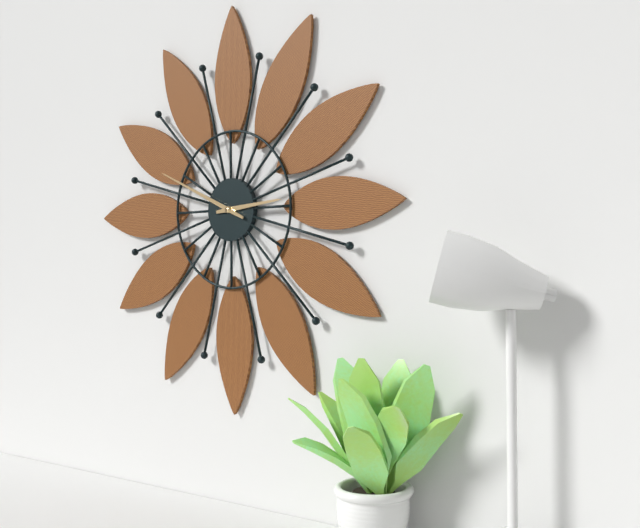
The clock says 2:49
